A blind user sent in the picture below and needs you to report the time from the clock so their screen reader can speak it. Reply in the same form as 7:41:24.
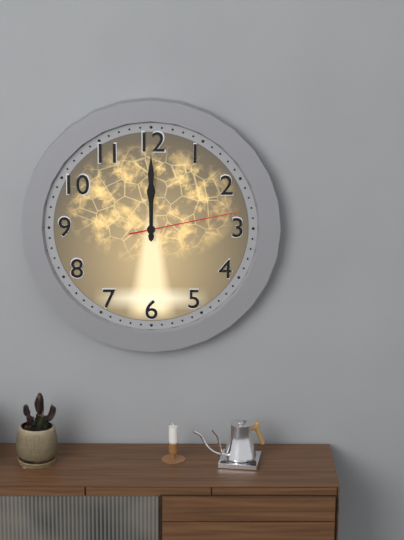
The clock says 12:00:13
